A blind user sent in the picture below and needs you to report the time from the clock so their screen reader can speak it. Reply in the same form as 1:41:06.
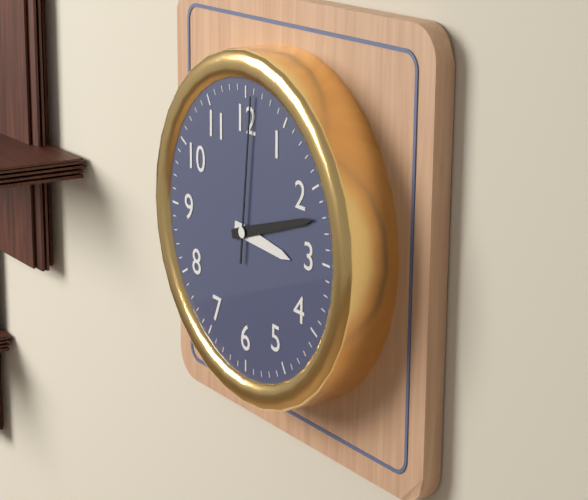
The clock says 3:12:01
